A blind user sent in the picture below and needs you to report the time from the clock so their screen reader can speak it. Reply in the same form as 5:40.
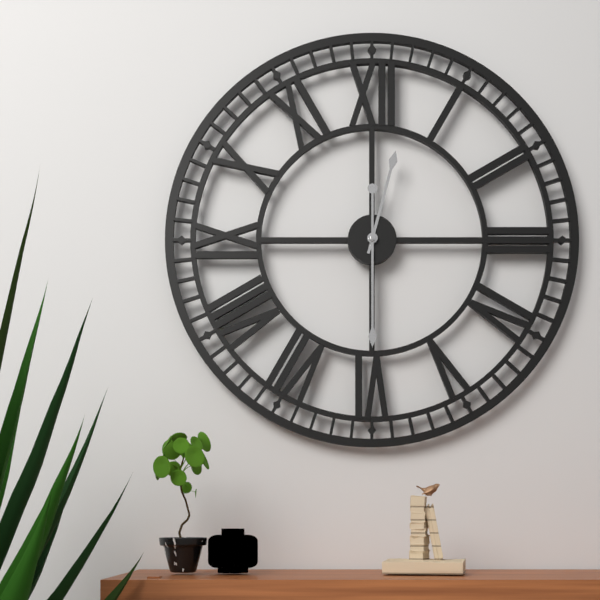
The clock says 12:30
